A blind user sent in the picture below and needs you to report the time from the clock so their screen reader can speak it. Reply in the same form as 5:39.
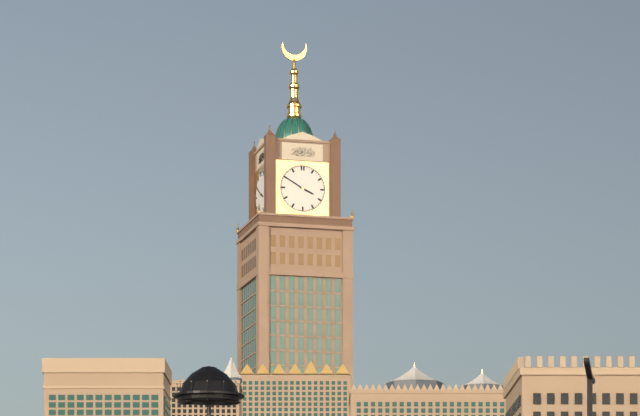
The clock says 3:50
